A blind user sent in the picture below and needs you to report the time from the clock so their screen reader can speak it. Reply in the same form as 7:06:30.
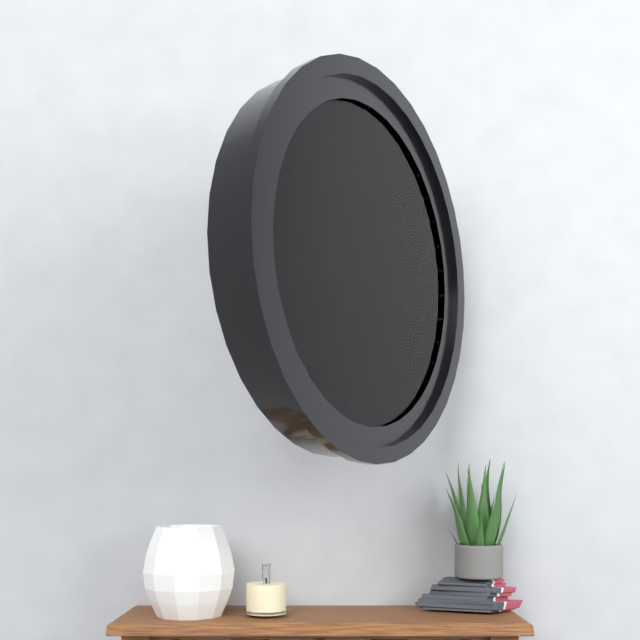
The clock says 8:37:11
